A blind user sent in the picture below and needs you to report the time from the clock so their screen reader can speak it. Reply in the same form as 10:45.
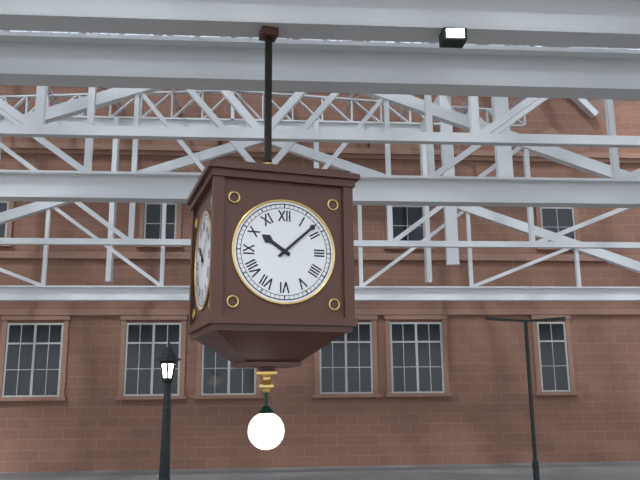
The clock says 10:08
